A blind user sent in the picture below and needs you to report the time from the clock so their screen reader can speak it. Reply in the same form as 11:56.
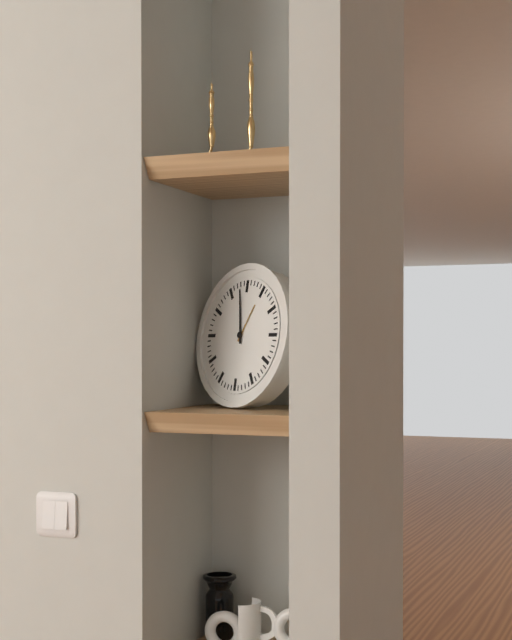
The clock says 12:58
